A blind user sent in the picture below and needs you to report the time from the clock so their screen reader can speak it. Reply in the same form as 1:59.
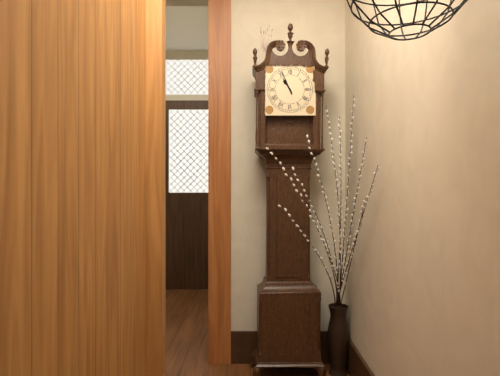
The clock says 10:56
